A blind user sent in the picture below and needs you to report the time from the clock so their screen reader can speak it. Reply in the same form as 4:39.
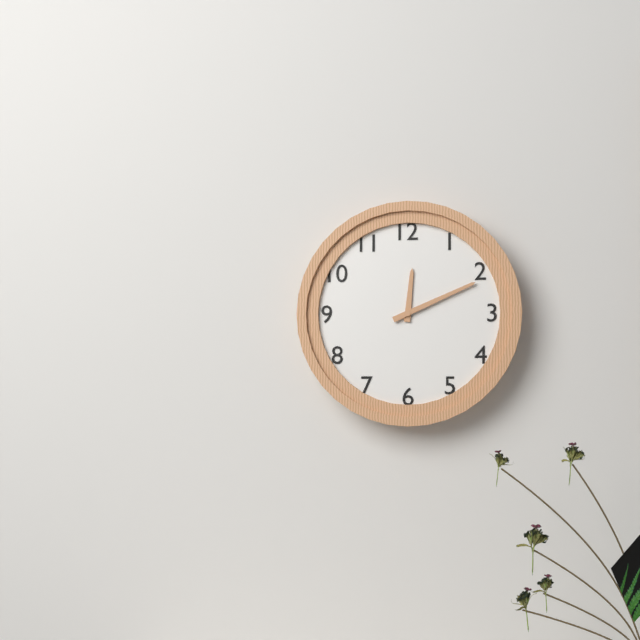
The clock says 12:11
